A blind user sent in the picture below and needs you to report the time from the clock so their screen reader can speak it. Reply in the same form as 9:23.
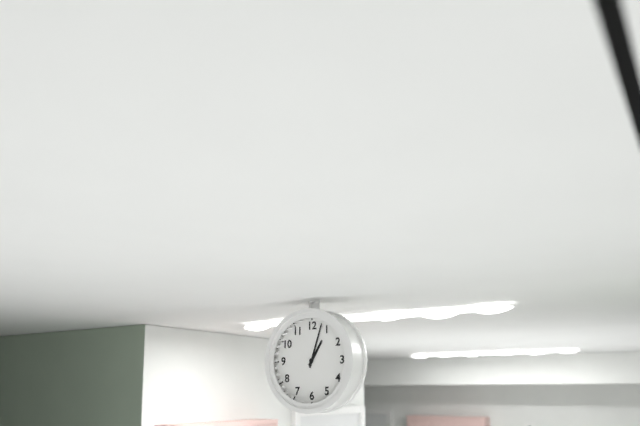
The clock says 1:03
